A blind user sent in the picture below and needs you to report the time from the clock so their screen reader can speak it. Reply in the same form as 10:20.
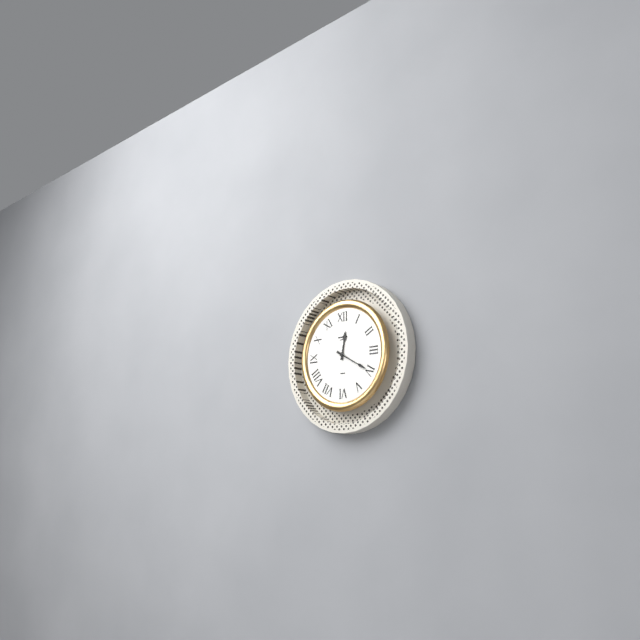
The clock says 12:20
